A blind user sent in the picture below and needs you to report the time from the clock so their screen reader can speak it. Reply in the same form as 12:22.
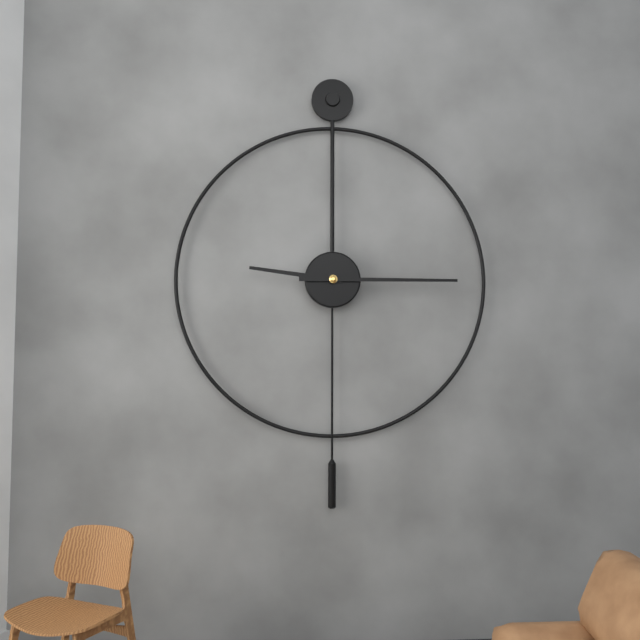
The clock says 9:15
